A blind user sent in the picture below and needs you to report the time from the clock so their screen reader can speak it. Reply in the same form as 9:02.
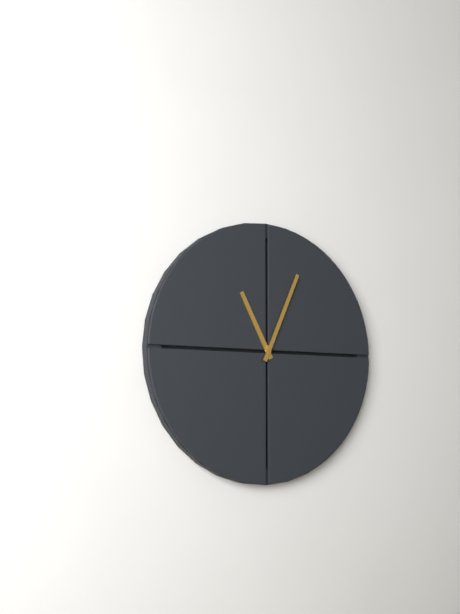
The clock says 11:04
